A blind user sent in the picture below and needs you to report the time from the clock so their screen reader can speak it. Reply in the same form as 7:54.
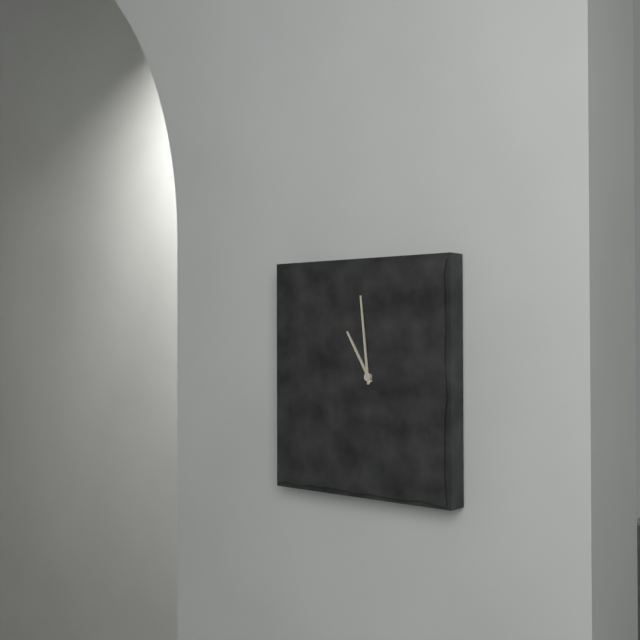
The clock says 10:59
